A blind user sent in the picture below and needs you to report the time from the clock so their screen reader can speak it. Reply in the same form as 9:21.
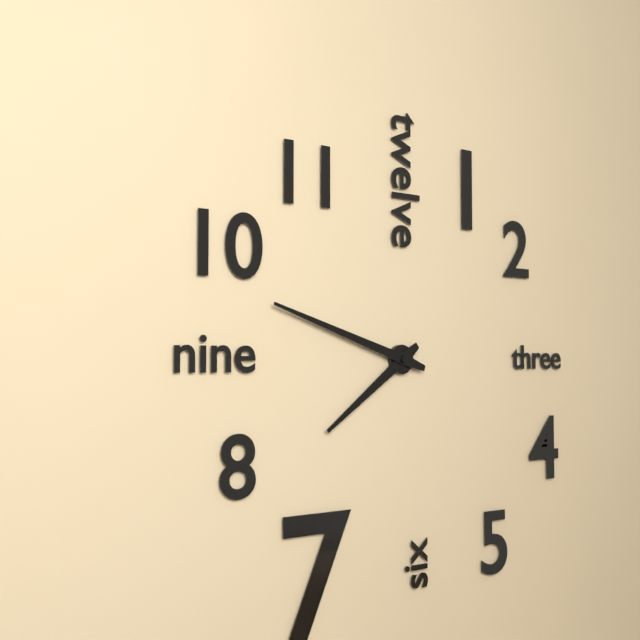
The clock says 7:48
